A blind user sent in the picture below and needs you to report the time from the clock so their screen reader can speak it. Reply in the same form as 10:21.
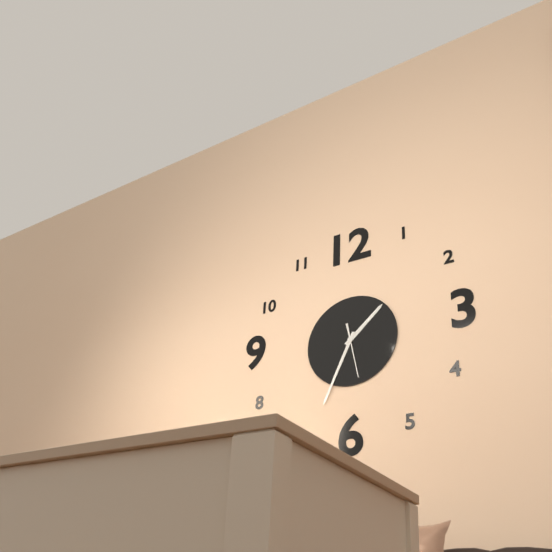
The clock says 1:34
